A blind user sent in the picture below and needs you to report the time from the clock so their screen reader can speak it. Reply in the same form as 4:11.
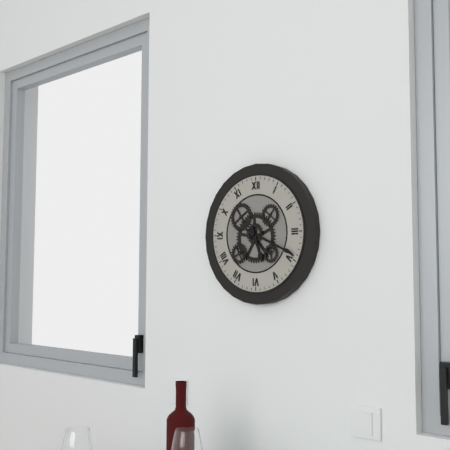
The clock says 5:19
